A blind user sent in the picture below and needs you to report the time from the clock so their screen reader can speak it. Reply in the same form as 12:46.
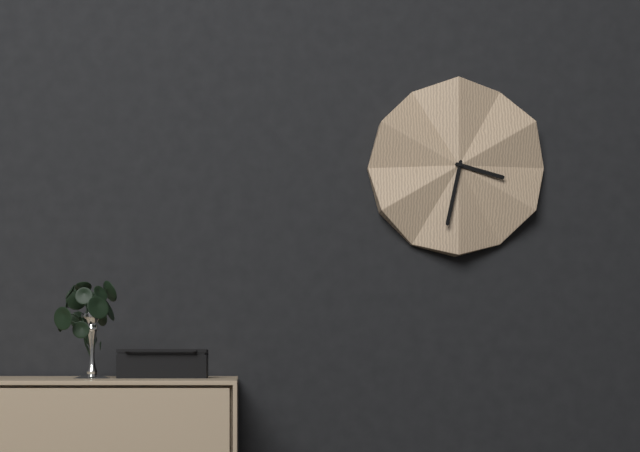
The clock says 3:32
